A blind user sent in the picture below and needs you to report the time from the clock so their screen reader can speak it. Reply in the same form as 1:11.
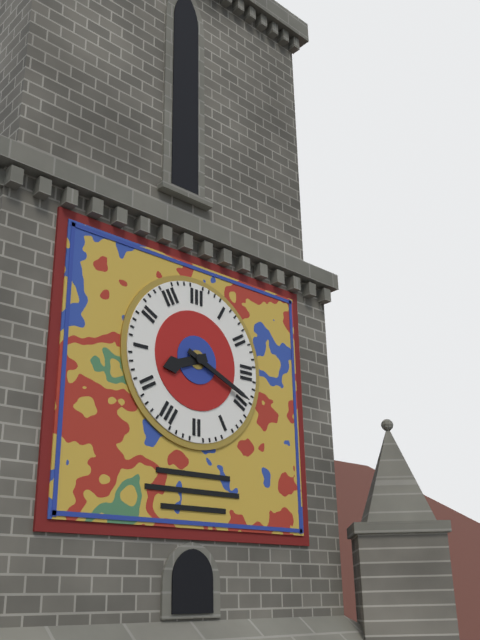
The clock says 8:19
